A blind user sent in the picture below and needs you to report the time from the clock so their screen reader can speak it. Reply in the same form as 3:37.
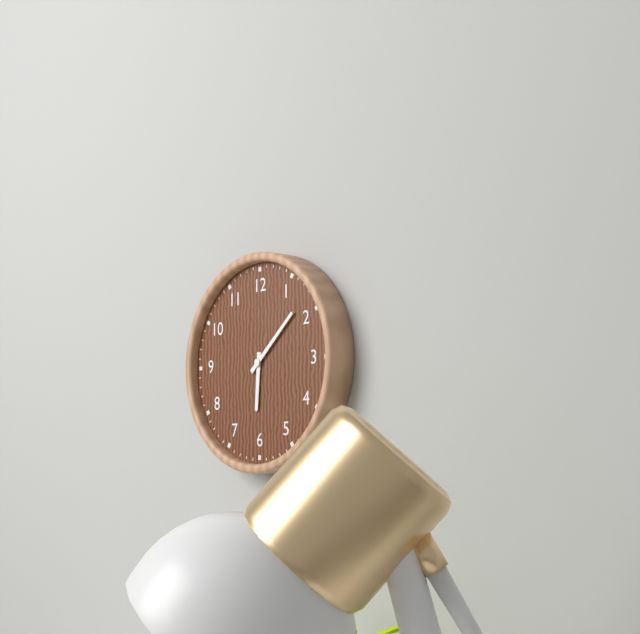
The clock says 6:08
